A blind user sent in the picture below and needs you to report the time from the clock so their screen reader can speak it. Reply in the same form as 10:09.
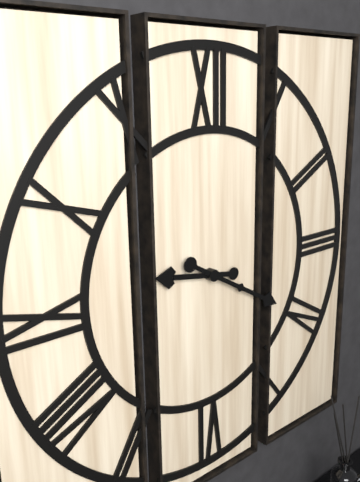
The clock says 9:20
